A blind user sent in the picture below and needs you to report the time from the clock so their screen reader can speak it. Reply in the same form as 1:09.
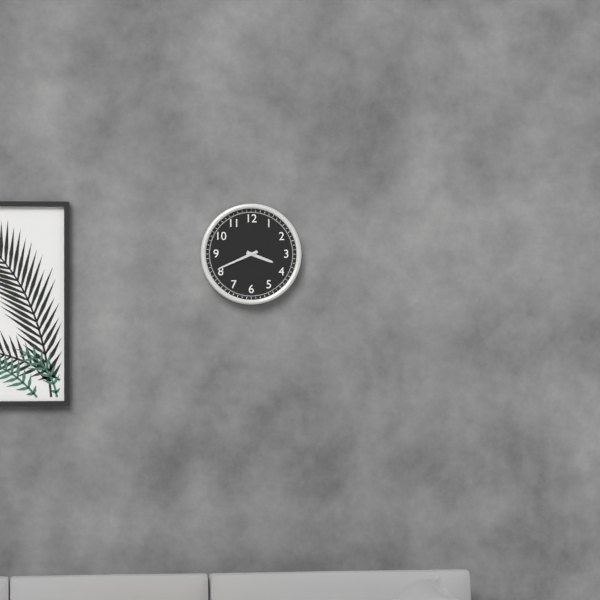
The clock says 3:41
